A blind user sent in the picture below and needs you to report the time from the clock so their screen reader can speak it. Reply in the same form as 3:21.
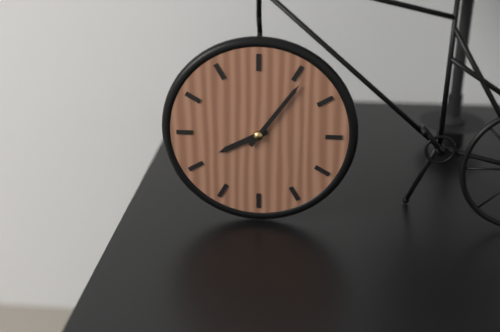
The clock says 8:06
